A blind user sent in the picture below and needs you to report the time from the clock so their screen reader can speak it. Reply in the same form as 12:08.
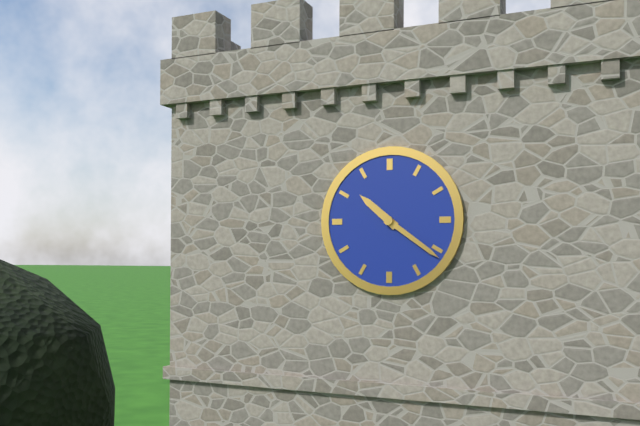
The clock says 10:21
